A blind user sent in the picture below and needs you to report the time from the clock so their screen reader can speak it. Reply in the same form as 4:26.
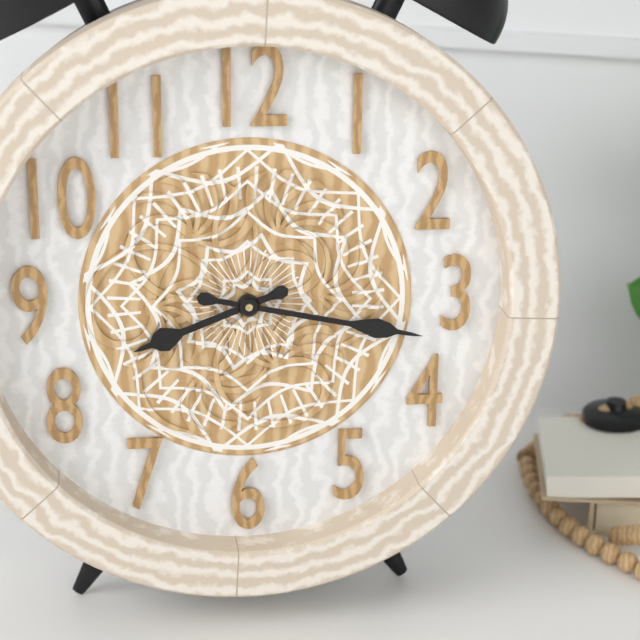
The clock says 8:17
